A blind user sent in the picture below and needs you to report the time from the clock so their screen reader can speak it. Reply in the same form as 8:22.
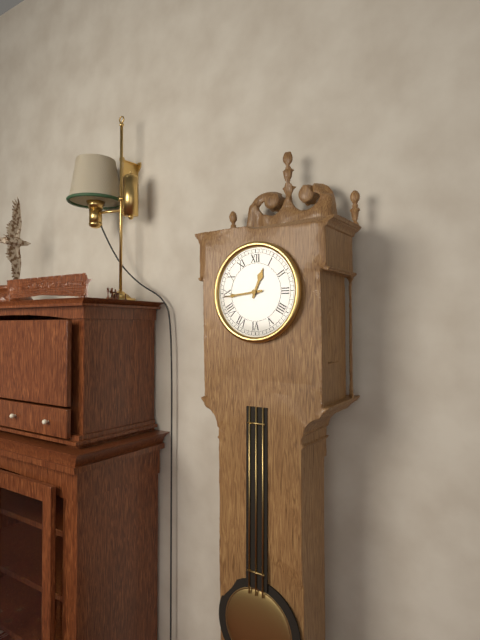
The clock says 12:44
